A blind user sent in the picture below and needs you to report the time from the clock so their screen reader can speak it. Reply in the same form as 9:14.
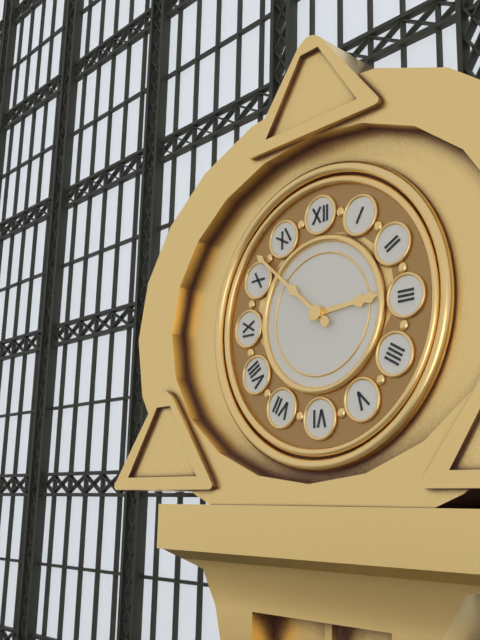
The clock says 2:52
